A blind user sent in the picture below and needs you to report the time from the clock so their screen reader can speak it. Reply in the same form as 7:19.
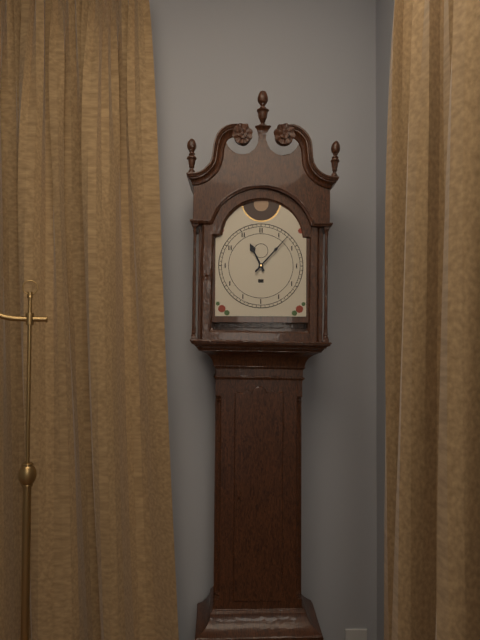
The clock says 11:07
